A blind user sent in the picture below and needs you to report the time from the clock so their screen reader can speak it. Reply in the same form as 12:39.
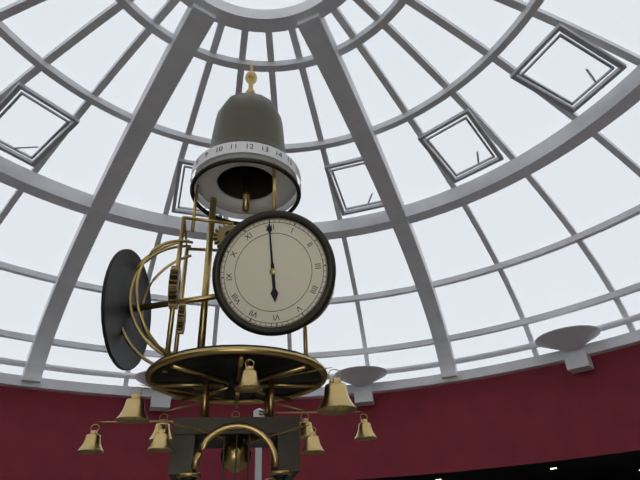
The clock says 6:00
